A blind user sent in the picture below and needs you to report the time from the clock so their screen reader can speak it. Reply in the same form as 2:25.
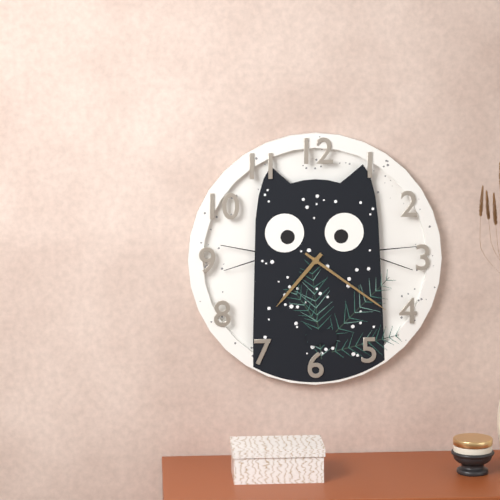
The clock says 7:21
